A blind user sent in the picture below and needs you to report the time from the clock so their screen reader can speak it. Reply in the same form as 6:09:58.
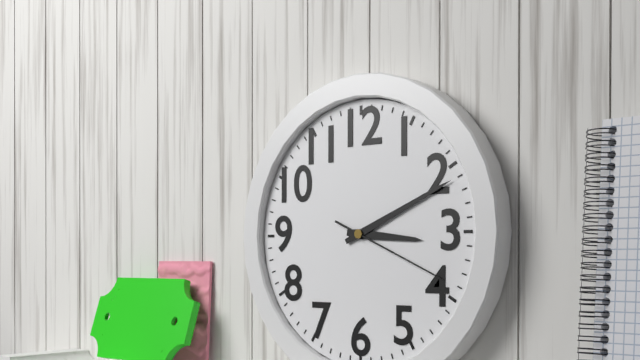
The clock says 3:11:19
